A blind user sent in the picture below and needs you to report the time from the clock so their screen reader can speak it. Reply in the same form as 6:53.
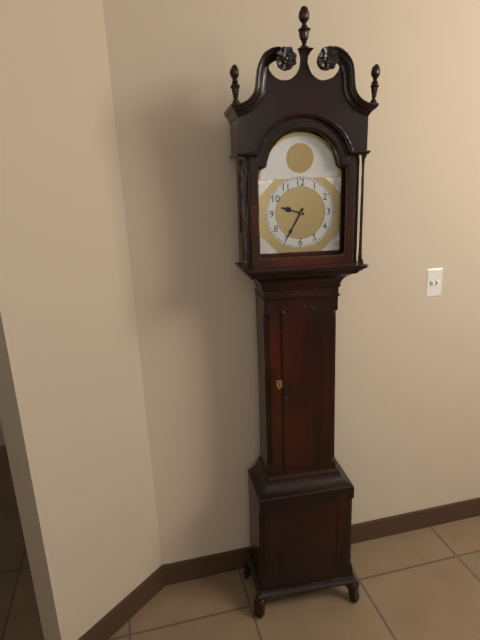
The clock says 9:35
